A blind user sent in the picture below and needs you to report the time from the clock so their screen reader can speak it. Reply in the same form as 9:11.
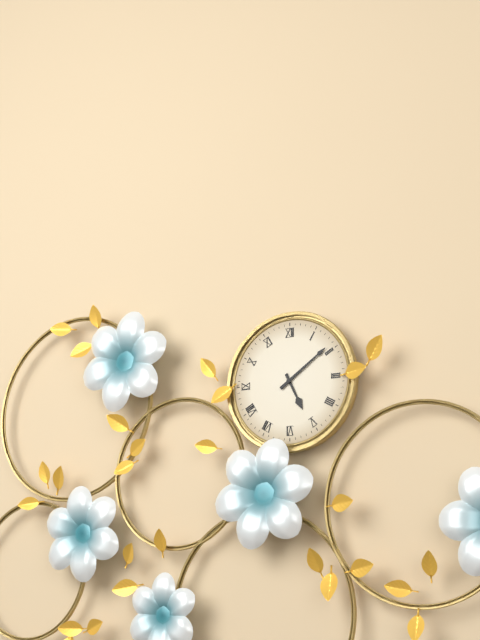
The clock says 5:09
